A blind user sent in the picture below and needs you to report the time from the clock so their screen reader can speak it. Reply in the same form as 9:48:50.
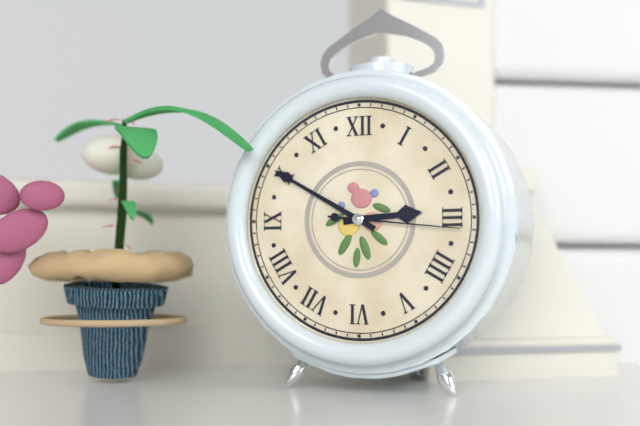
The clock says 2:50:16
